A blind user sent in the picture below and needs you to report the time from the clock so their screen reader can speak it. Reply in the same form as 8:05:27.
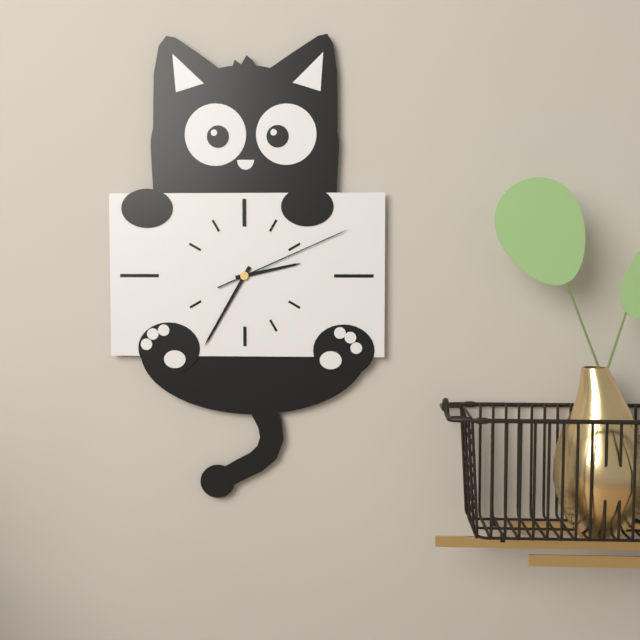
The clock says 2:35:11
